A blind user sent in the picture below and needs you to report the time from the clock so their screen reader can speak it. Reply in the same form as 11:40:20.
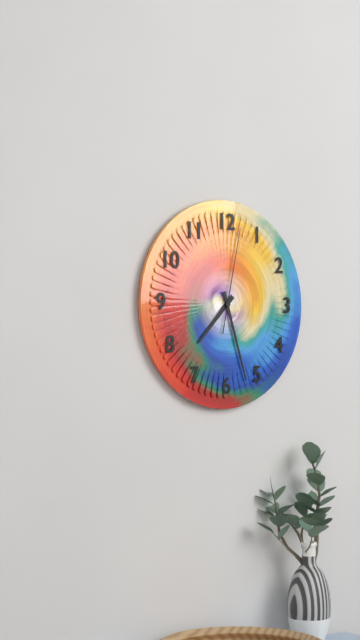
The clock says 7:27:02
